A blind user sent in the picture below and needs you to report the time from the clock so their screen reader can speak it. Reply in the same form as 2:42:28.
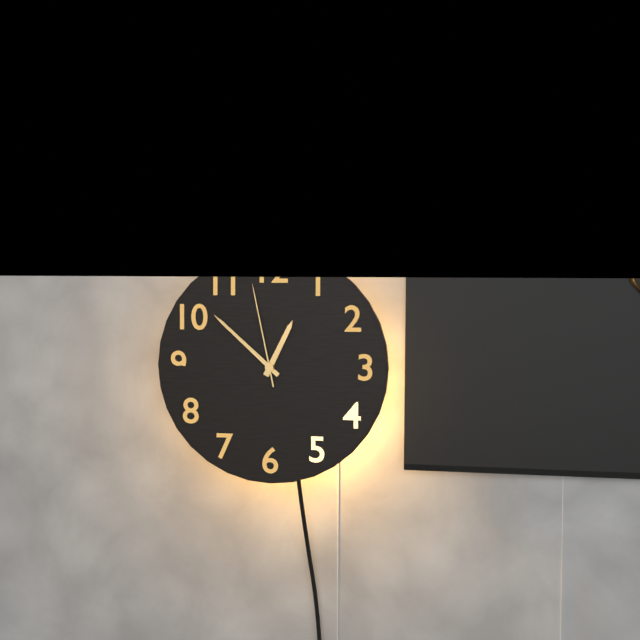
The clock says 12:52:58
